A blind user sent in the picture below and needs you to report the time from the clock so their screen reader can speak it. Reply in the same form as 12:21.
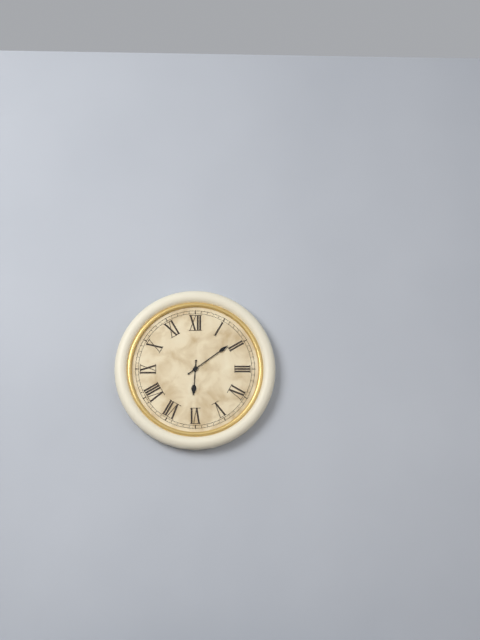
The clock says 6:09
